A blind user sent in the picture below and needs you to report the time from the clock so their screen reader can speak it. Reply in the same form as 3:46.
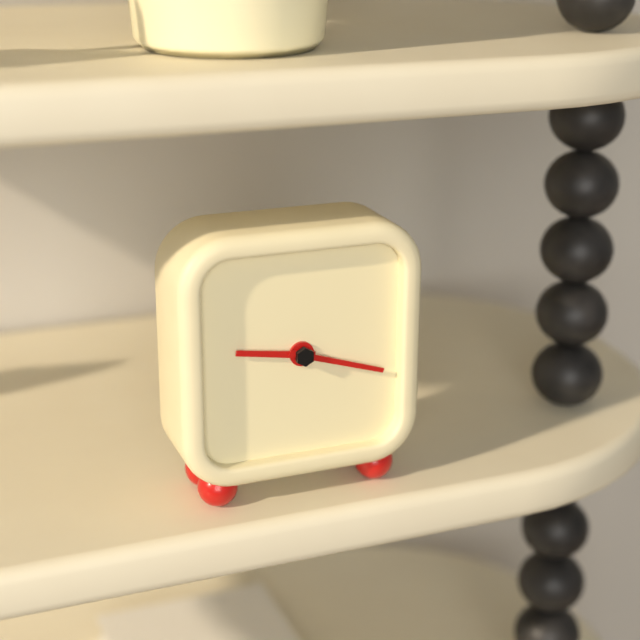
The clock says 9:18
